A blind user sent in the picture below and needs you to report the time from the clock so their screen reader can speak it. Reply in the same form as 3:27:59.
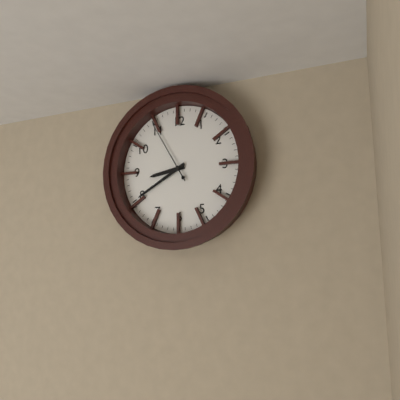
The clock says 8:40:55
